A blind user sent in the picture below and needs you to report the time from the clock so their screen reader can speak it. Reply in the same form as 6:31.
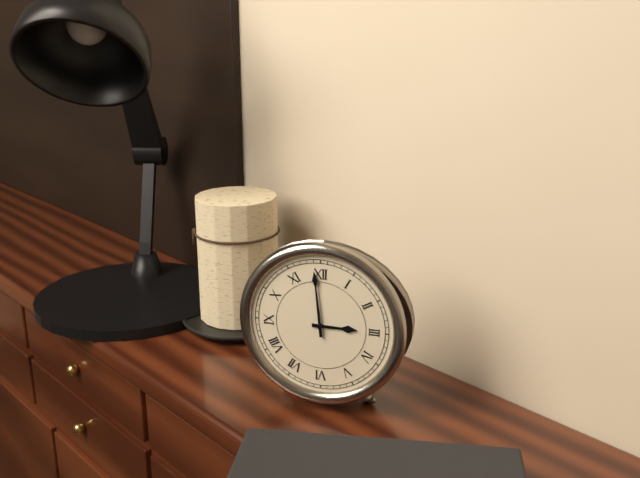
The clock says 2:59
